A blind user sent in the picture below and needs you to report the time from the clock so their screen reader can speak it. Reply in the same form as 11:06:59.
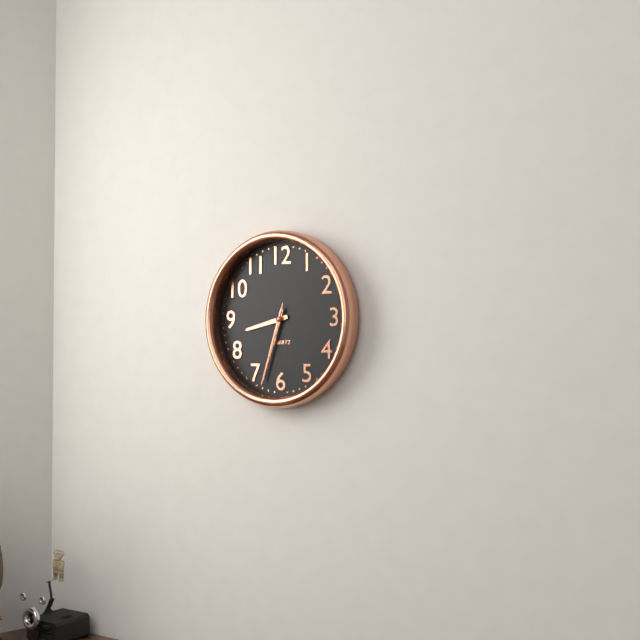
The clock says 8:33:33
